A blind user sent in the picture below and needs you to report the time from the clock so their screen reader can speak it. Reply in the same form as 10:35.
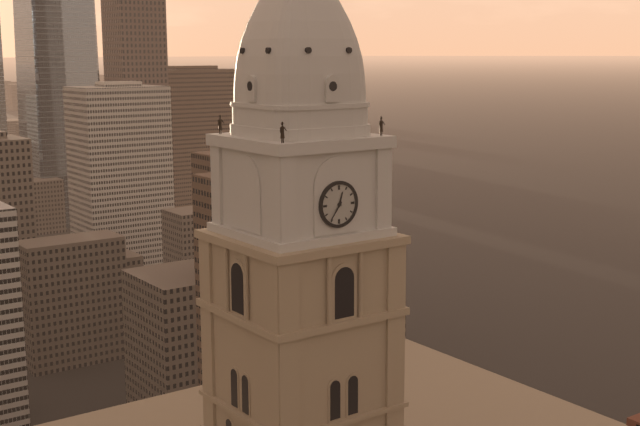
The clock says 12:36
